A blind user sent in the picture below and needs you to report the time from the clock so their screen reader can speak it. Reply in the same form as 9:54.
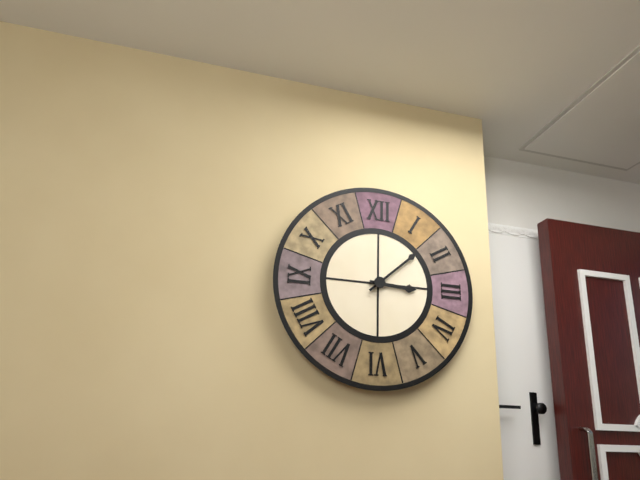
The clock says 3:08
